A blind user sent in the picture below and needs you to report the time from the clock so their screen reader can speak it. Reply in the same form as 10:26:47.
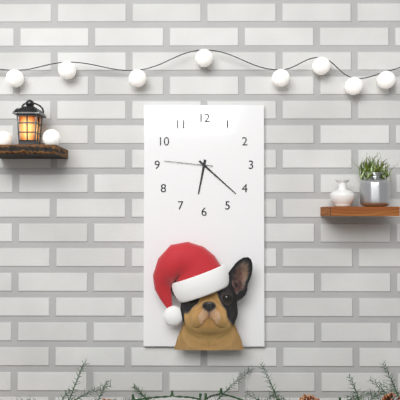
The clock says 6:22:46
